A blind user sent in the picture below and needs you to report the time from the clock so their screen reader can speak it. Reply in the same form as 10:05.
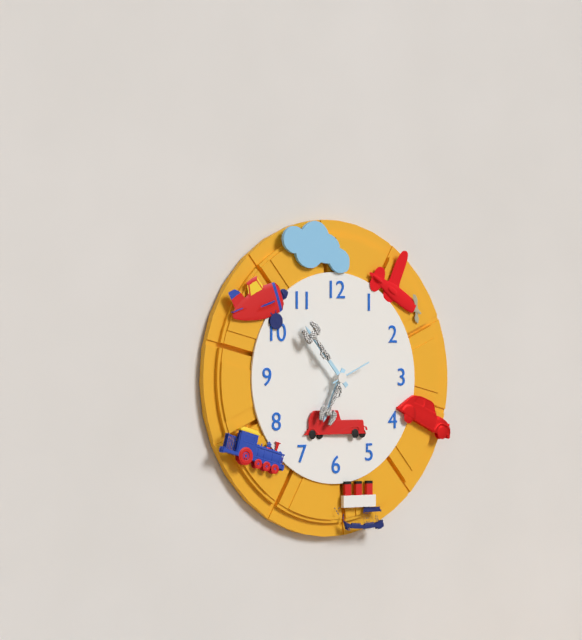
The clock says 6:53
